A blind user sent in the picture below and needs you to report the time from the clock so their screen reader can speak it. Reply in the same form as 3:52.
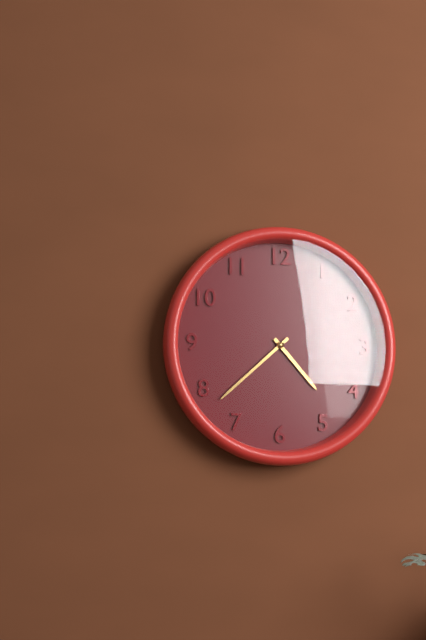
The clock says 4:38
